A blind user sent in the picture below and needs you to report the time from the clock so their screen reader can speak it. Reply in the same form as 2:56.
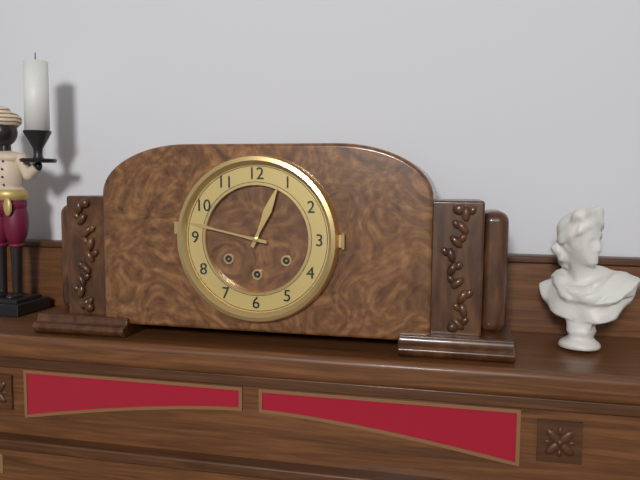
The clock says 12:47
